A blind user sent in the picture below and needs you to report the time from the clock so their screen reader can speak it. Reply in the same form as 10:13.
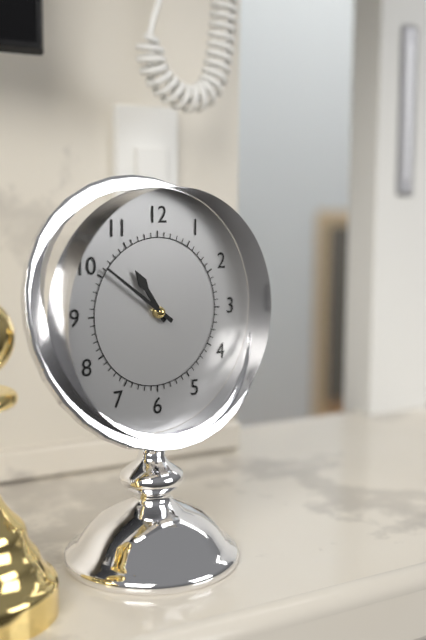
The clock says 10:51
